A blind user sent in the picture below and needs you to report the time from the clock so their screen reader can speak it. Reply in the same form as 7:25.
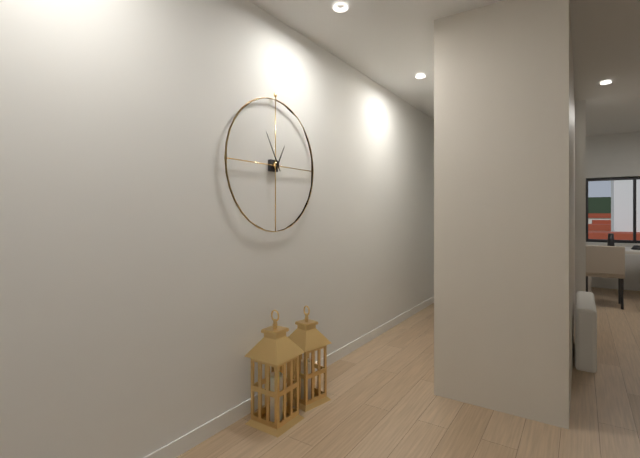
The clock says 12:55
